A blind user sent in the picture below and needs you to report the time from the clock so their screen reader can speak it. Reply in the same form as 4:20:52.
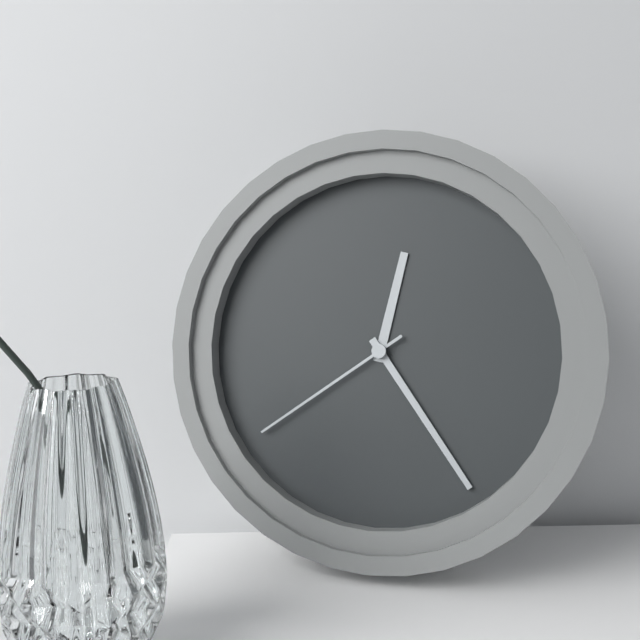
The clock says 12:24:39
